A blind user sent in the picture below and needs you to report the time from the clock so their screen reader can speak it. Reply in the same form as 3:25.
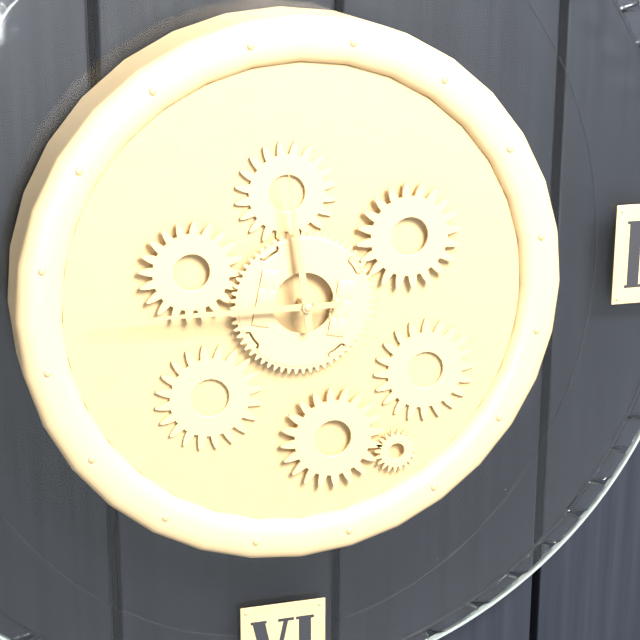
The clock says 11:45
